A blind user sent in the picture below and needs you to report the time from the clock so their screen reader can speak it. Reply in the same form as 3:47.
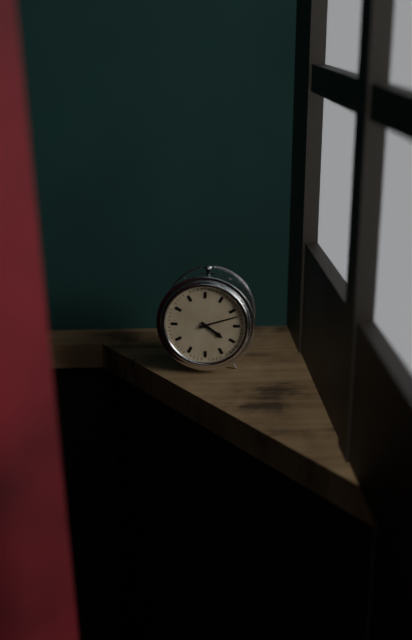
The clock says 4:12
